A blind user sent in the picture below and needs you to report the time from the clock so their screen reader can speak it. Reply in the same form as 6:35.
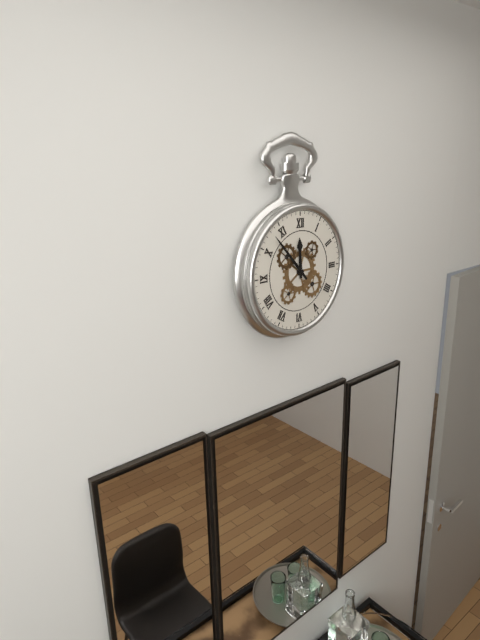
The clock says 11:53
